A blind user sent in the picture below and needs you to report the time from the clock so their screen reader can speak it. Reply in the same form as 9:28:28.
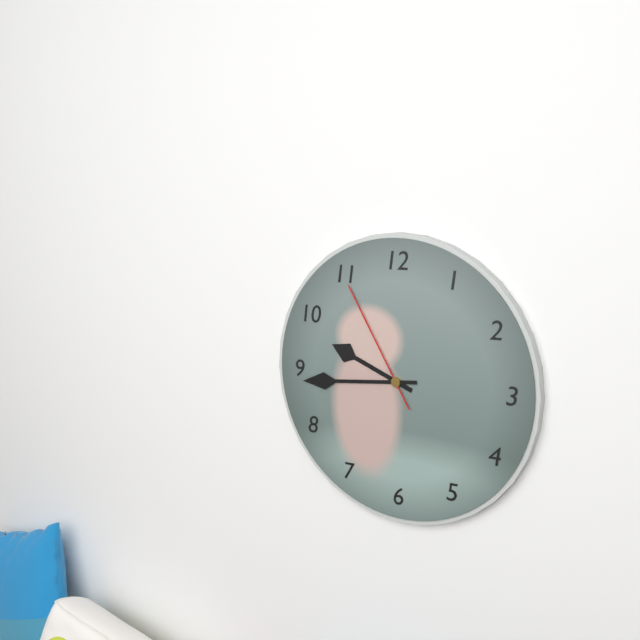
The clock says 9:44:55
